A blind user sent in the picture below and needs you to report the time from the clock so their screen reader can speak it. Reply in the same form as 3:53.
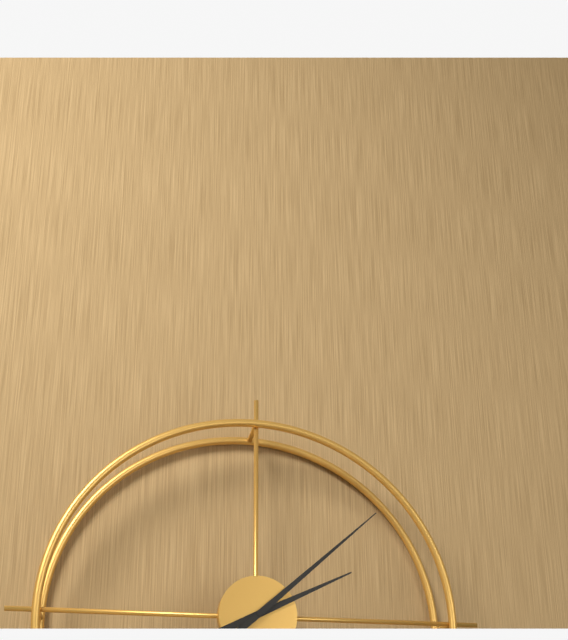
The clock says 2:08
